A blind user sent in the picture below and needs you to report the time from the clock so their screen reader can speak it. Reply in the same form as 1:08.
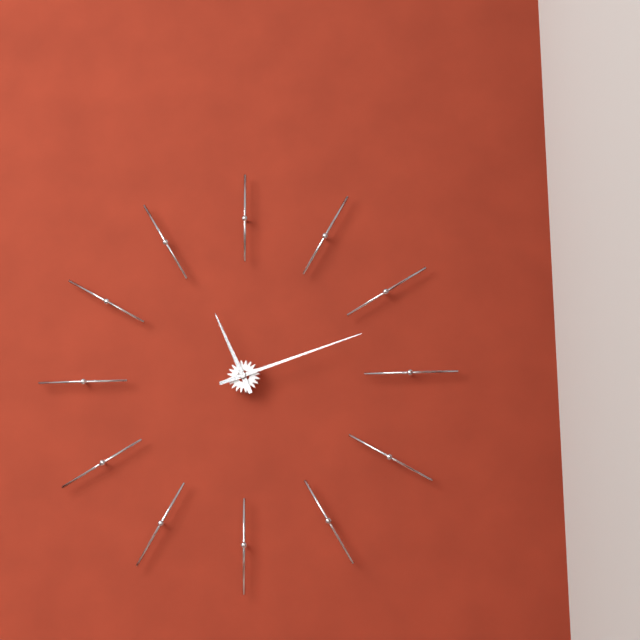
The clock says 11:12
